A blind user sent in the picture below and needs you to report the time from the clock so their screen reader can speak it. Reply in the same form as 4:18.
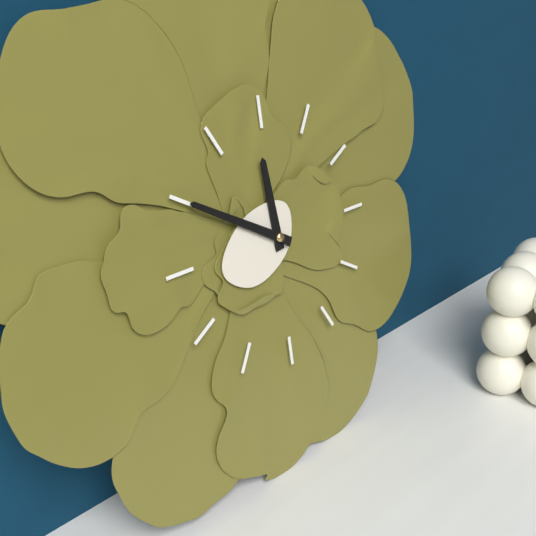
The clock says 11:50
